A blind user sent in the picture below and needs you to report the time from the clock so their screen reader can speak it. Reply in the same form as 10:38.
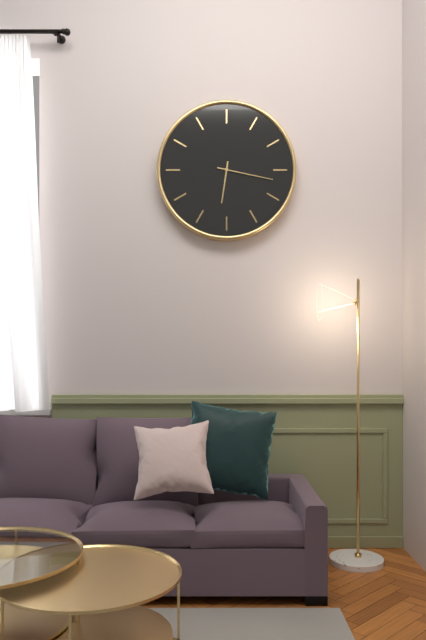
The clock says 6:17
